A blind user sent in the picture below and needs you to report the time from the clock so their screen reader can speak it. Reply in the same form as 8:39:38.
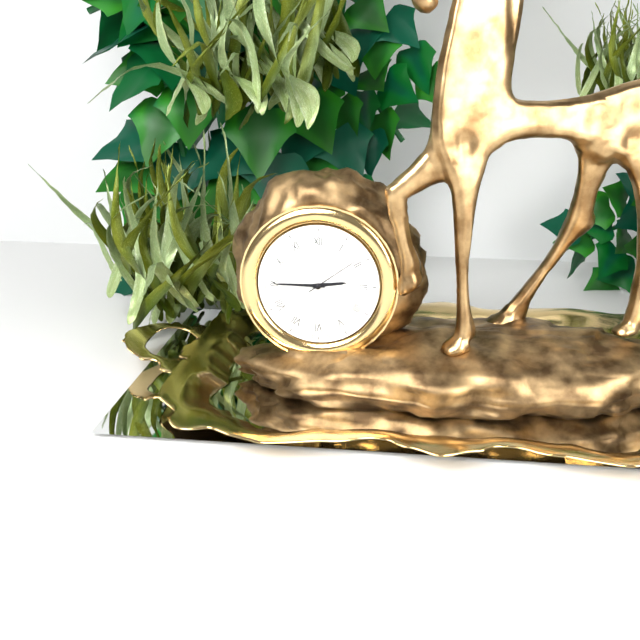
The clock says 2:45:09
